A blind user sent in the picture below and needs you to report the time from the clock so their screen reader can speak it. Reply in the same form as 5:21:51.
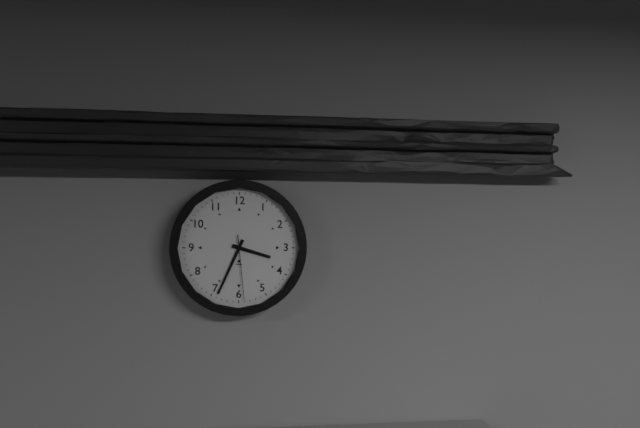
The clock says 3:34:29
